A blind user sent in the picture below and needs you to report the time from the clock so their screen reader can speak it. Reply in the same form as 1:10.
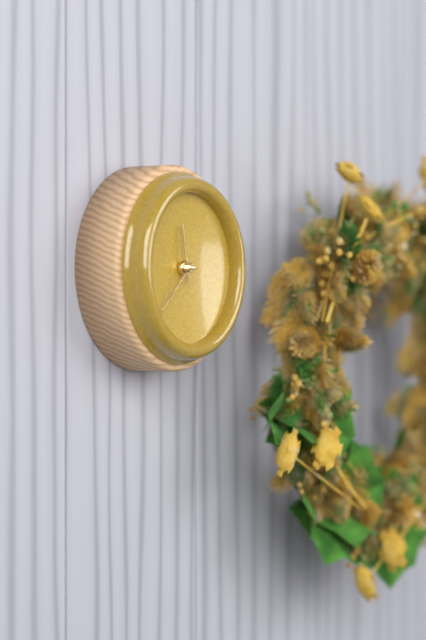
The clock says 11:38
